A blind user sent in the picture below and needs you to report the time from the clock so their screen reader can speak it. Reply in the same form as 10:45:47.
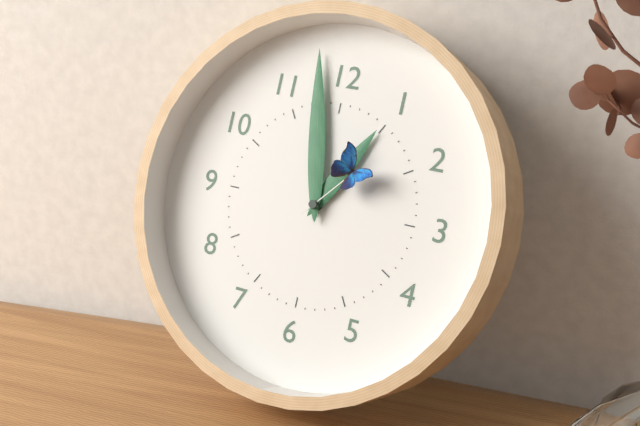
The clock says 12:58:07
